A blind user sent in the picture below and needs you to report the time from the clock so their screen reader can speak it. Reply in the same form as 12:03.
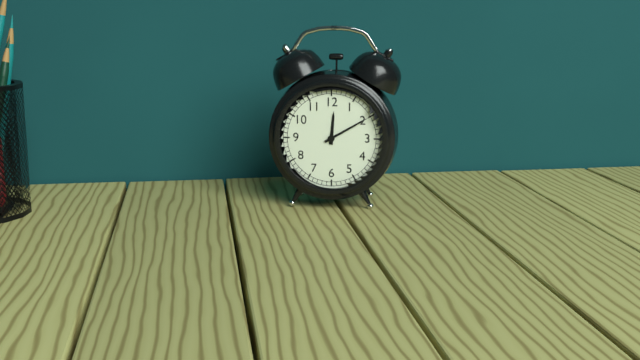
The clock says 12:10
